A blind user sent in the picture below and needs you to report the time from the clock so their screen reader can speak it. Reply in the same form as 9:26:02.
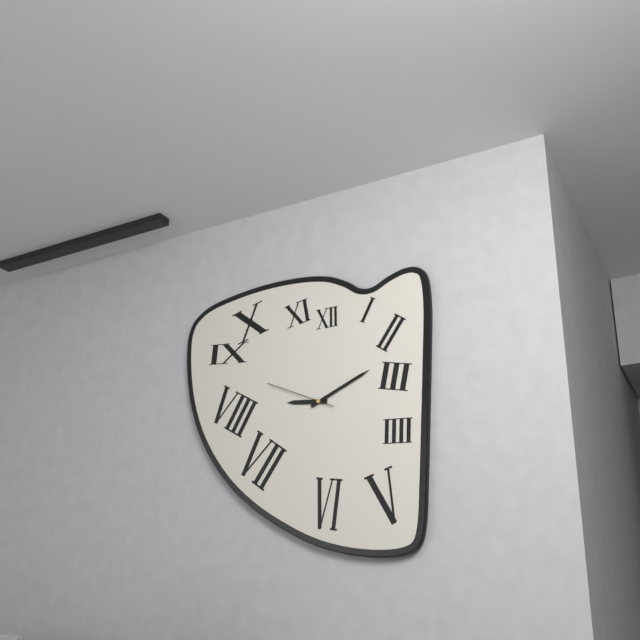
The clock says 9:11:49
